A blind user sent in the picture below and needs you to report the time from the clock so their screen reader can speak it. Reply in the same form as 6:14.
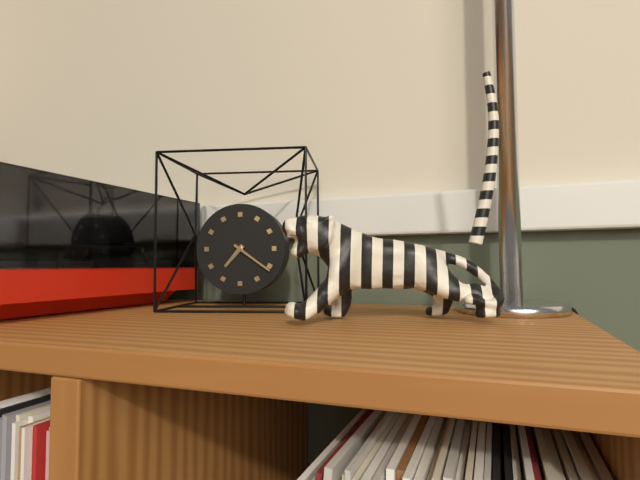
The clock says 7:21
